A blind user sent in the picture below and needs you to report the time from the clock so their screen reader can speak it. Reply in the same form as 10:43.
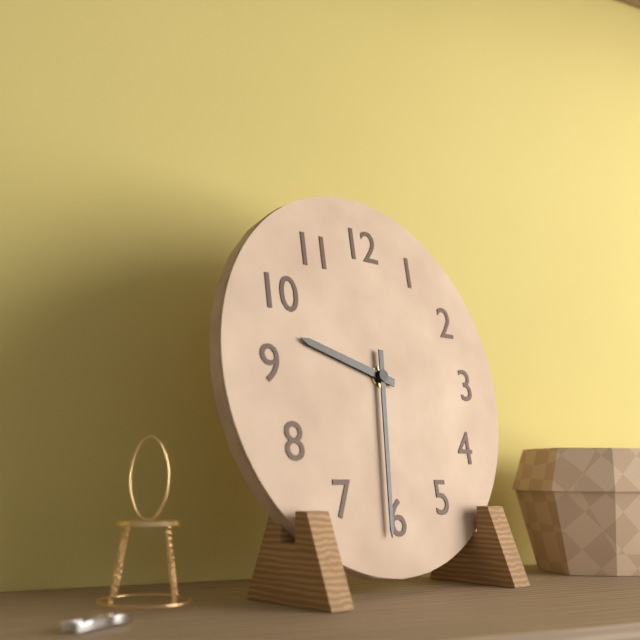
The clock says 9:31
